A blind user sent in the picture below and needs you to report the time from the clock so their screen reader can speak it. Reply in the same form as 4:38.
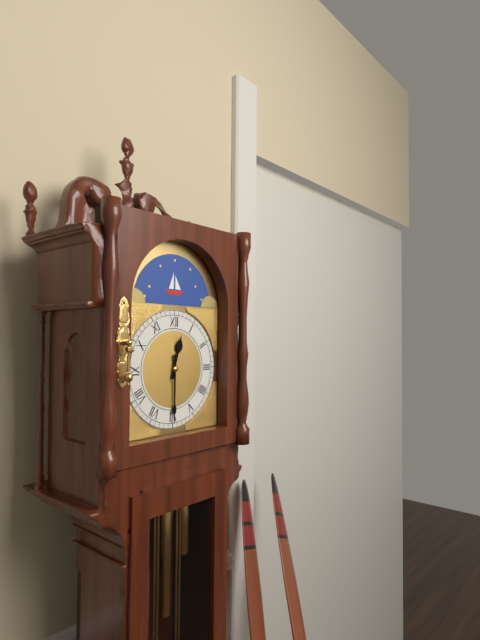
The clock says 12:30
